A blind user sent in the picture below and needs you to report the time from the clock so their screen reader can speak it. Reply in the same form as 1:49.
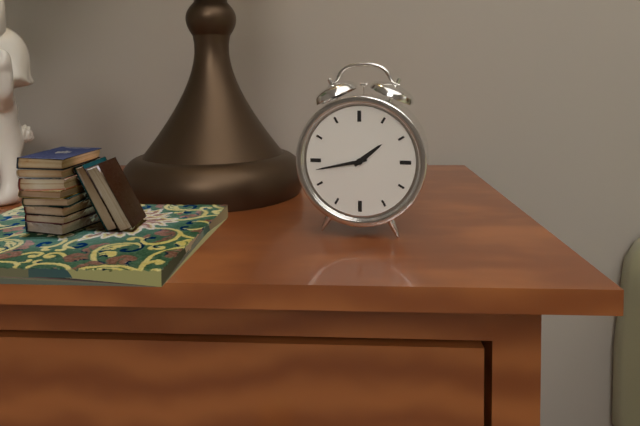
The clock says 1:43
